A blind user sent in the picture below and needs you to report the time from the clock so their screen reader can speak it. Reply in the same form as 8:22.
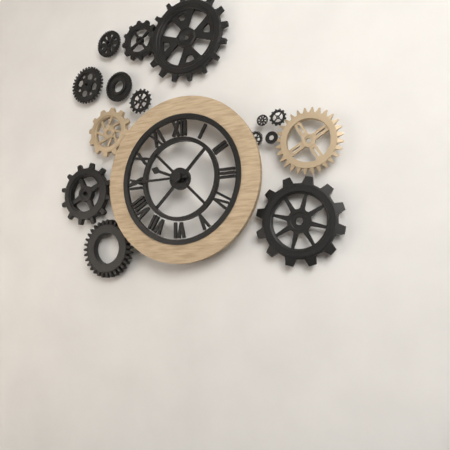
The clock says 9:45
